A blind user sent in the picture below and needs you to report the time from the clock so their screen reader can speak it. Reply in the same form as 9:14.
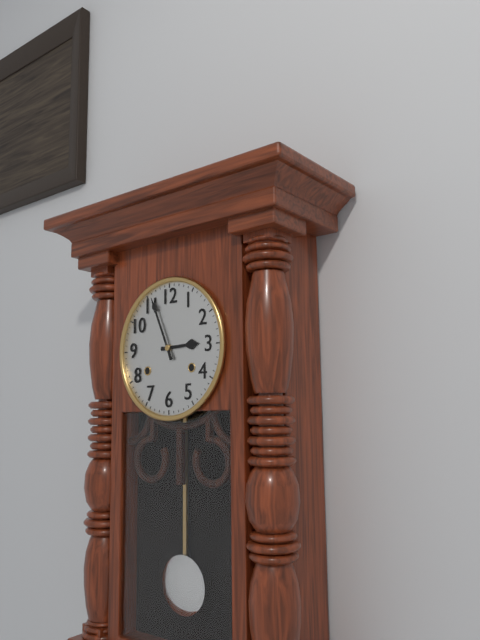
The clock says 2:56
